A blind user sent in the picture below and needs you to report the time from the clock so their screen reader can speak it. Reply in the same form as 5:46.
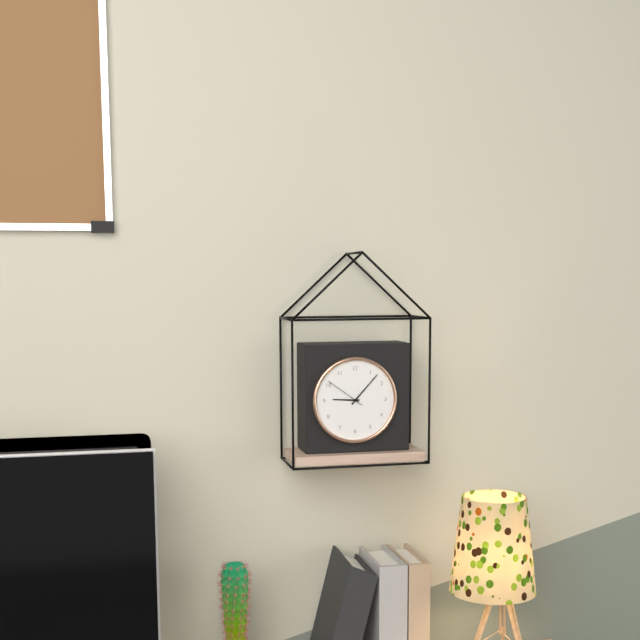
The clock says 9:07
